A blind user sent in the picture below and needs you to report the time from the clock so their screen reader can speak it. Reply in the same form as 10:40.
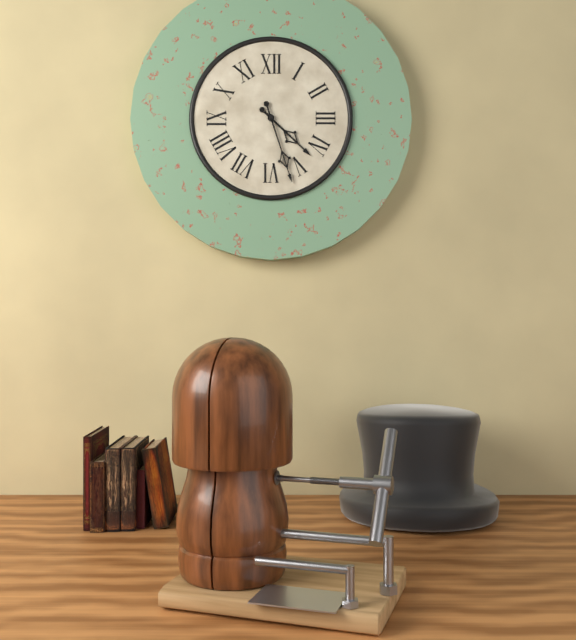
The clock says 4:27
